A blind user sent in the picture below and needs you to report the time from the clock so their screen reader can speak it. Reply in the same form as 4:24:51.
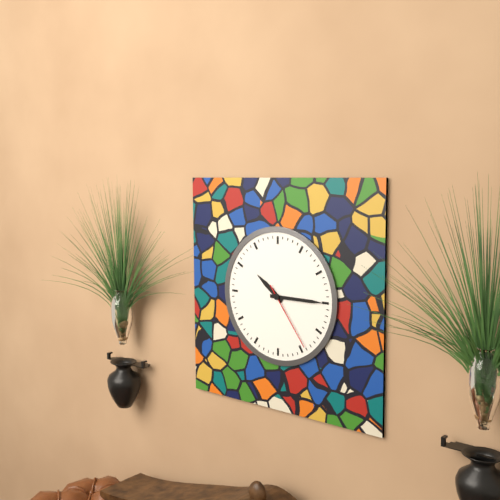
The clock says 10:15:24
